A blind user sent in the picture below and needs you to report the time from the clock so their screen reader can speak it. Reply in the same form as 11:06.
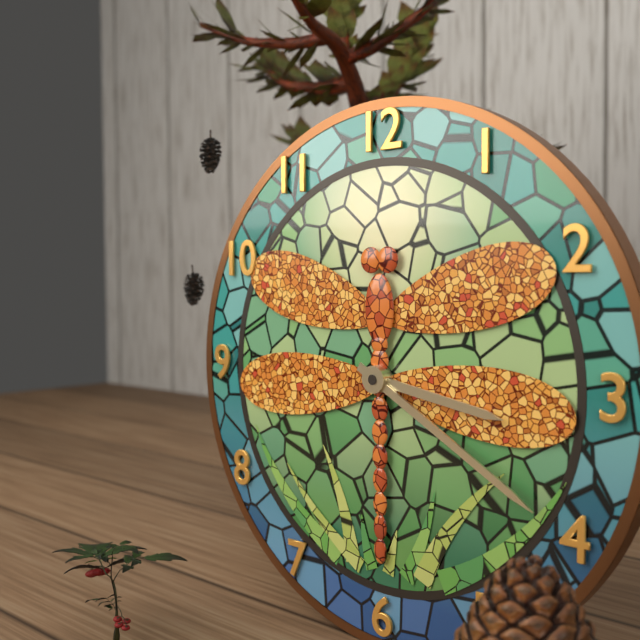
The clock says 3:20
